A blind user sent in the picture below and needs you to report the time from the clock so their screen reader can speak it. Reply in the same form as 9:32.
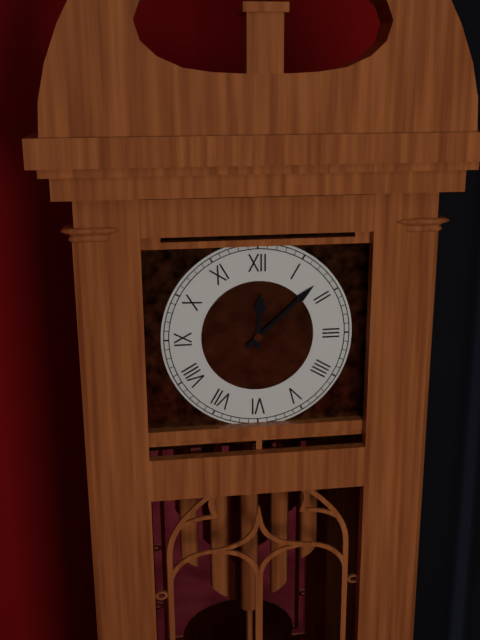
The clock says 12:08
